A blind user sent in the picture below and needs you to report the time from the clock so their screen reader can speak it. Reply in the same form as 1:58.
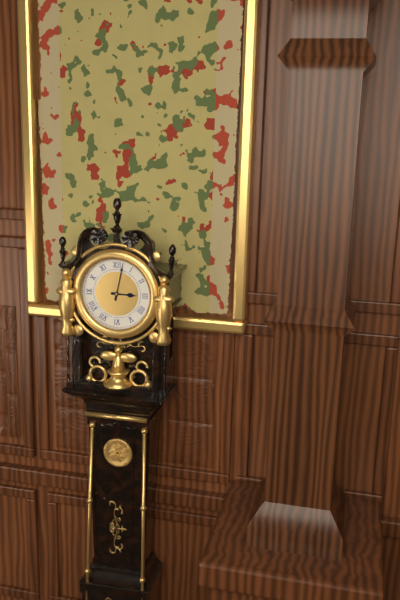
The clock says 3:02
